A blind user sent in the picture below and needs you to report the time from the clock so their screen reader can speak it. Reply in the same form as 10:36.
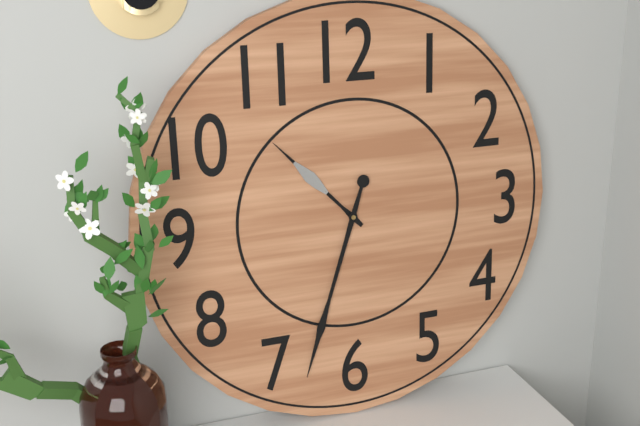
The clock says 10:33
